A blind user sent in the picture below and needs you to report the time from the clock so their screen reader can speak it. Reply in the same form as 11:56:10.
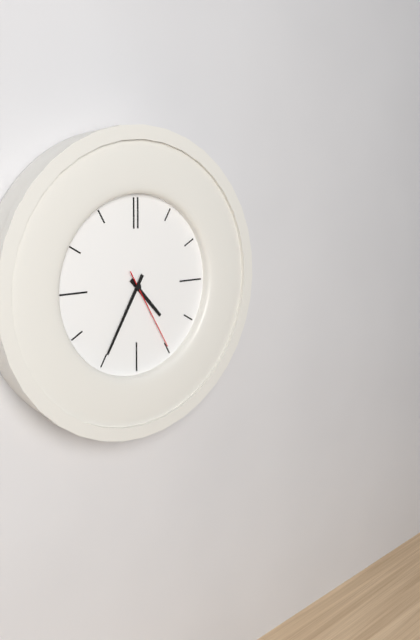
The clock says 4:35:25
